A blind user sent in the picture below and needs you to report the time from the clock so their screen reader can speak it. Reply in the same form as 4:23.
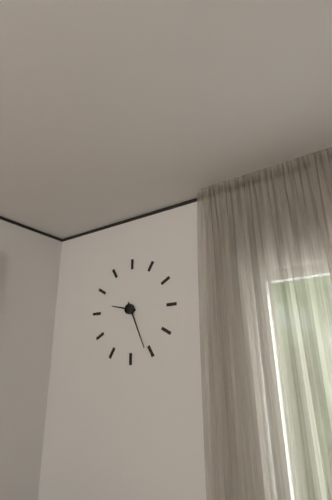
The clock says 9:26
